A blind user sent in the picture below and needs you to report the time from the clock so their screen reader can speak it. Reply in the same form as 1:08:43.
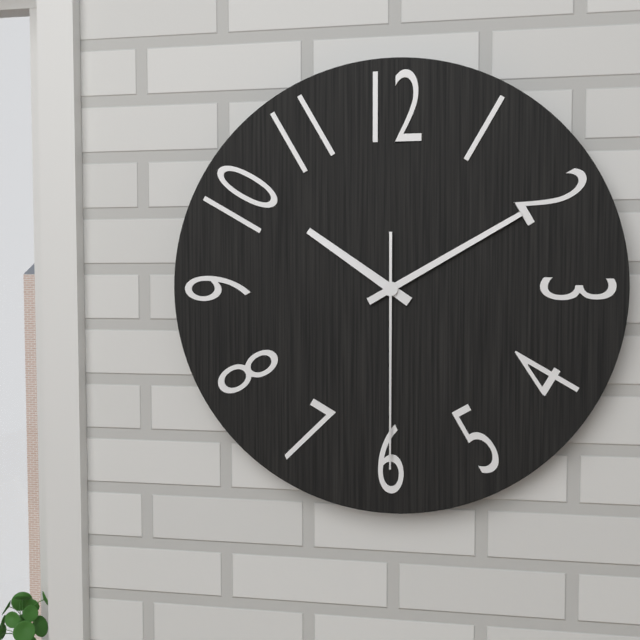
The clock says 10:10:30
